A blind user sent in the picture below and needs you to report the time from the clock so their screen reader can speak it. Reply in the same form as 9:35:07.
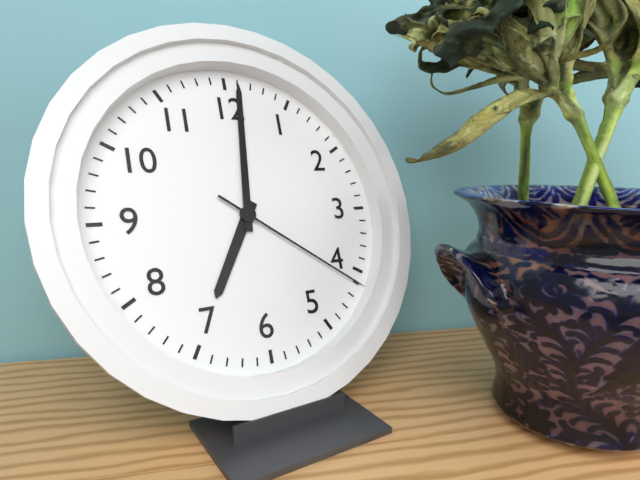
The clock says 7:01:21
